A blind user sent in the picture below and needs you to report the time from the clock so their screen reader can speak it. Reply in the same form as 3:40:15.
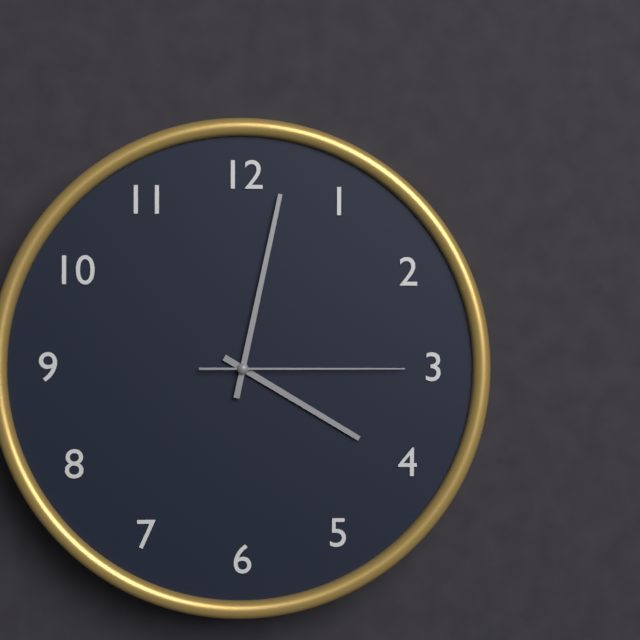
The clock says 4:02:15
